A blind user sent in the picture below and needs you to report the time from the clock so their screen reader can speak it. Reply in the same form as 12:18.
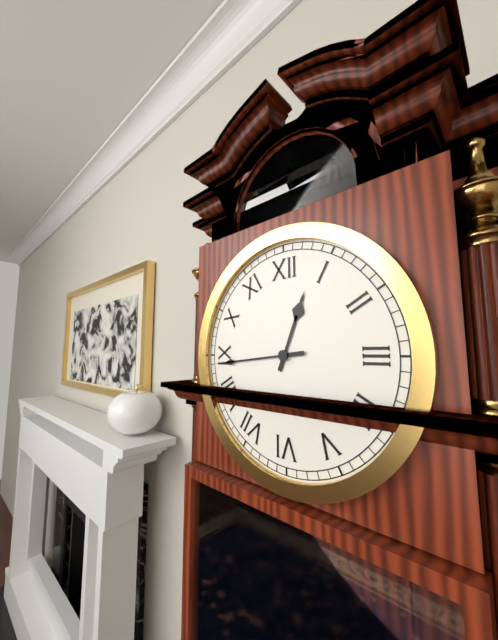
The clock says 12:44
